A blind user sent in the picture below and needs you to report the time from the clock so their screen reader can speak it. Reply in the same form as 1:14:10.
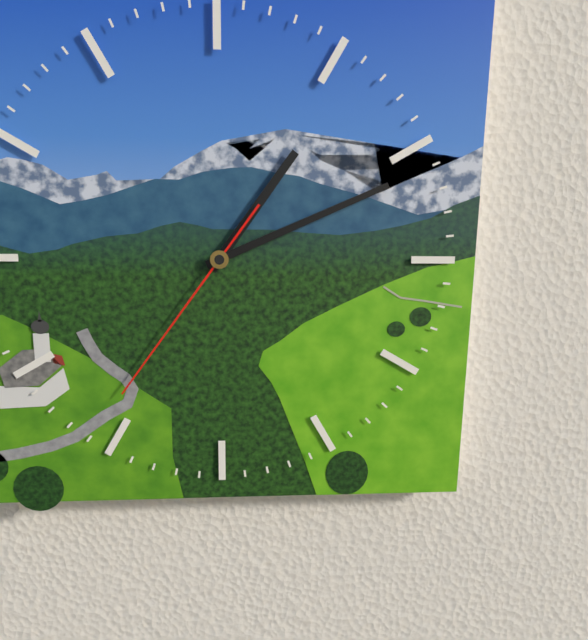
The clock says 1:11:36
